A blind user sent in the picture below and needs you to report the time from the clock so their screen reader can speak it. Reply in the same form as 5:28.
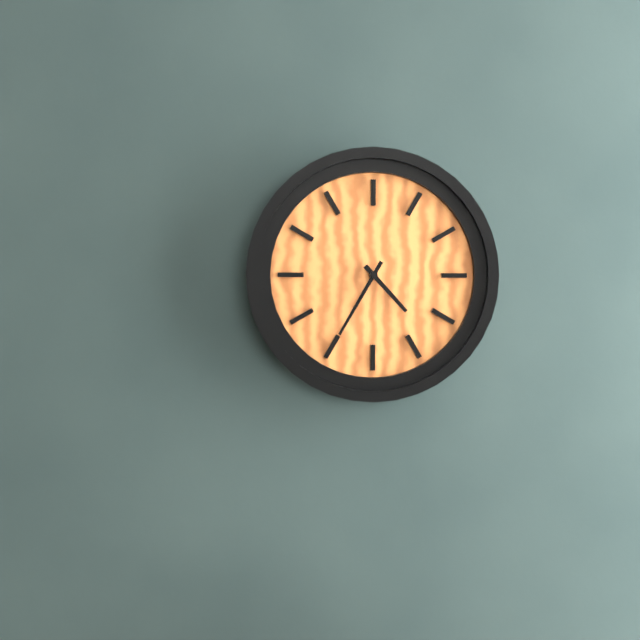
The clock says 4:35
